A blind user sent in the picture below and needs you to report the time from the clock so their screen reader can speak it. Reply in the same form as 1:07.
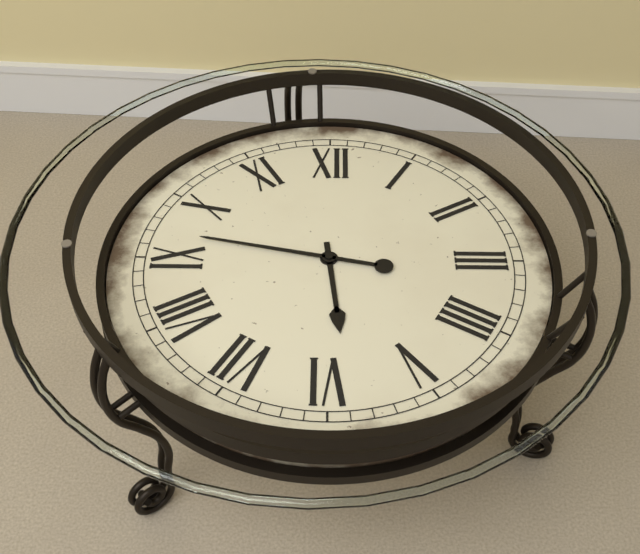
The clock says 5:47
